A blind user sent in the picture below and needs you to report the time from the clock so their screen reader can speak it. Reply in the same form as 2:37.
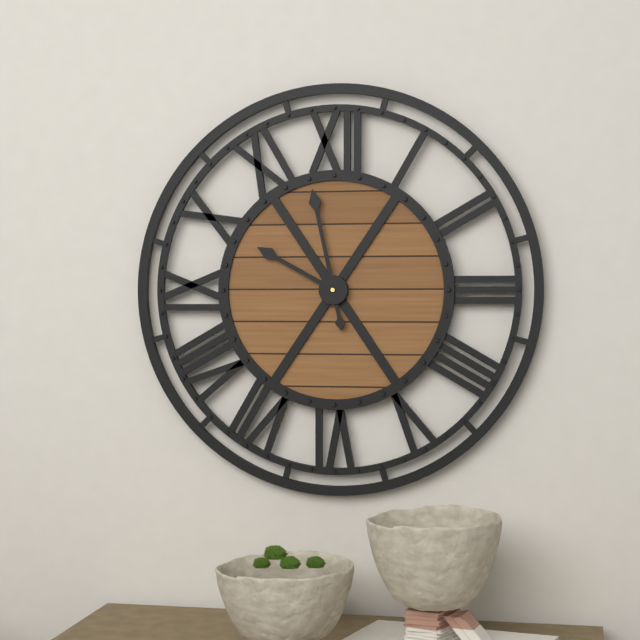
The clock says 9:58
